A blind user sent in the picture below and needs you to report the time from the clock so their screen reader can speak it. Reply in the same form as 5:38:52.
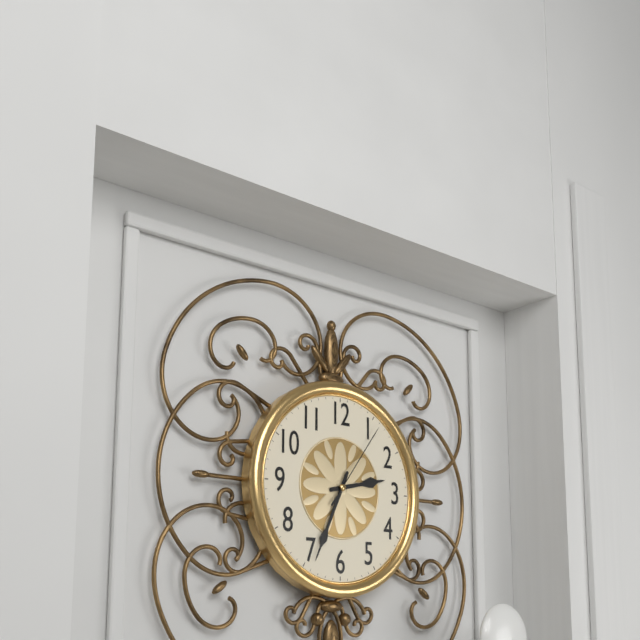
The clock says 2:34:06
